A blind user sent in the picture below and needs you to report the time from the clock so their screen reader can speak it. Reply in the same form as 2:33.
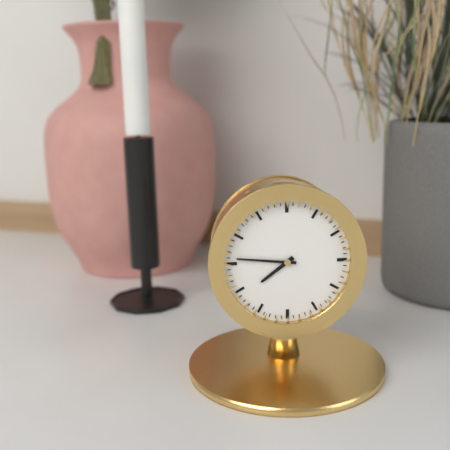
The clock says 7:46
